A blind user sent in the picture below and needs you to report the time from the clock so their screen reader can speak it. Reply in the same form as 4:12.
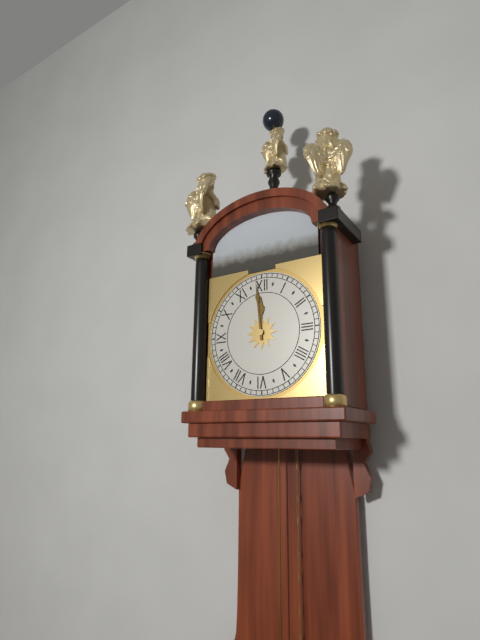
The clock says 11:59
